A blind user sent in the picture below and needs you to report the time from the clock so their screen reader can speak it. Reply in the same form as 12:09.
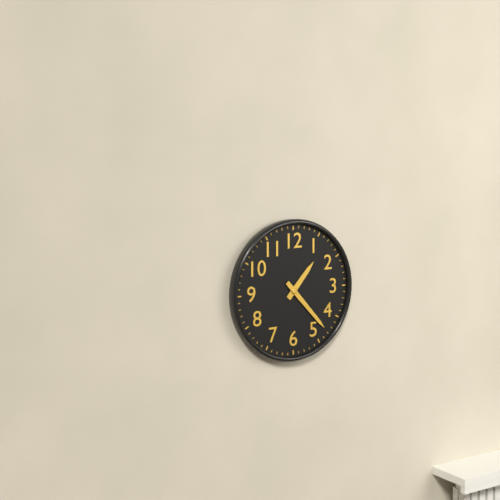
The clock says 1:23
